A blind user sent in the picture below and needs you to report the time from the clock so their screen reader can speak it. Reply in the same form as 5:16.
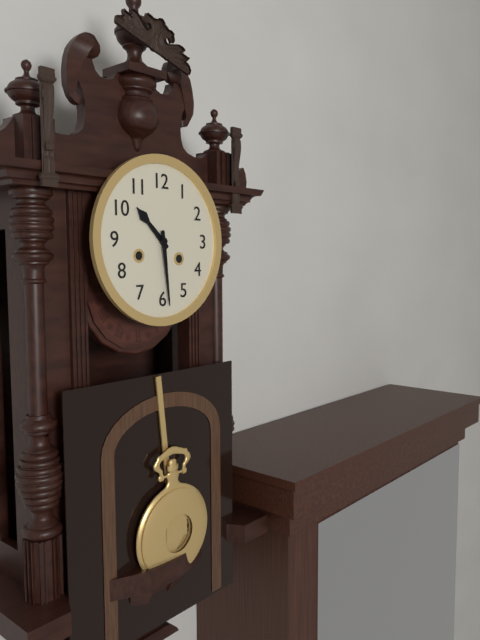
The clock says 10:29
